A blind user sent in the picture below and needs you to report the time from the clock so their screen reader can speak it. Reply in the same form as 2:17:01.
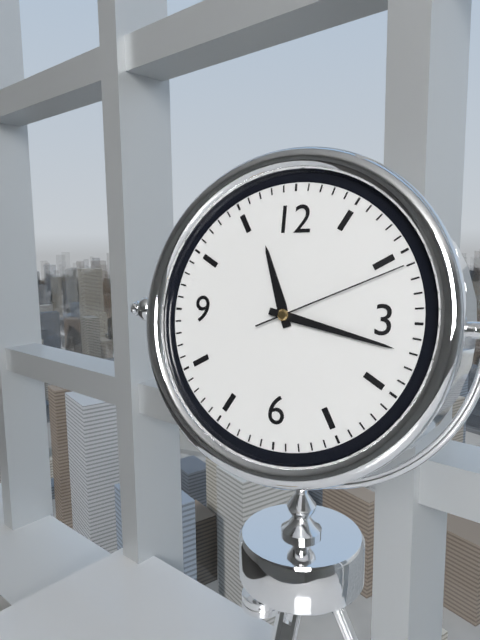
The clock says 11:17:11
